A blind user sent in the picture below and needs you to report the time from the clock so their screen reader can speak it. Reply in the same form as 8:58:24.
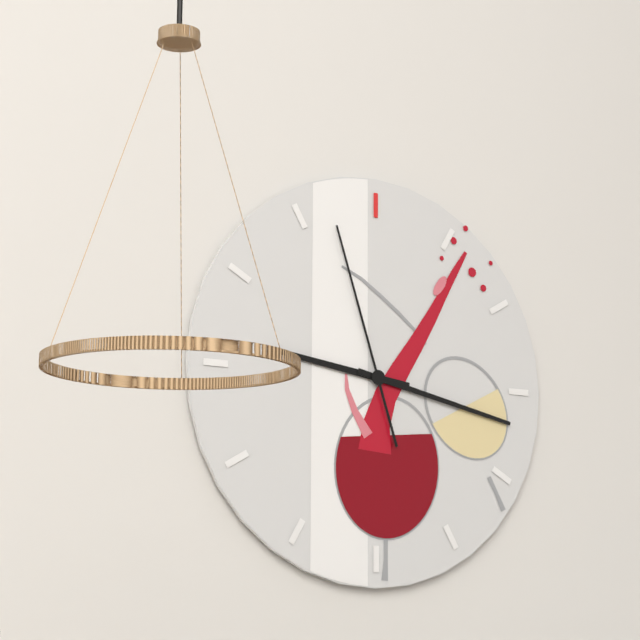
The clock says 9:17:57
